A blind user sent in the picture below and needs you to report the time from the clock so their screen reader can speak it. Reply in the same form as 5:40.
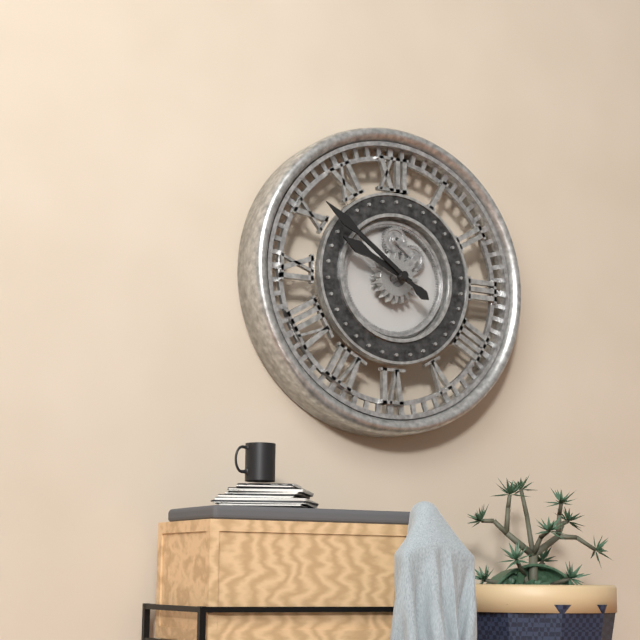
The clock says 9:51
